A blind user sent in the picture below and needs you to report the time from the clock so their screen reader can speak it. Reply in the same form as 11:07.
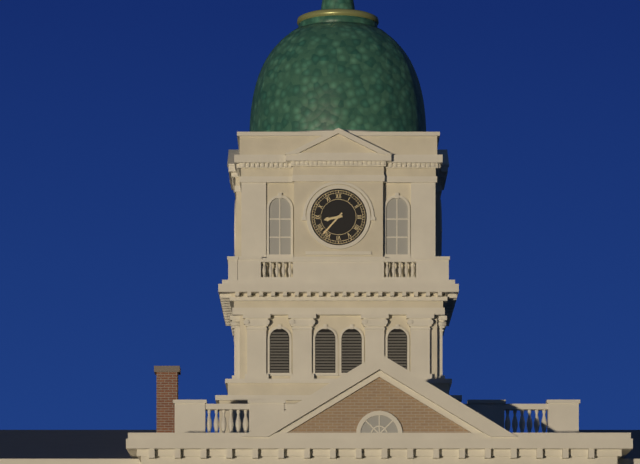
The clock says 8:37
